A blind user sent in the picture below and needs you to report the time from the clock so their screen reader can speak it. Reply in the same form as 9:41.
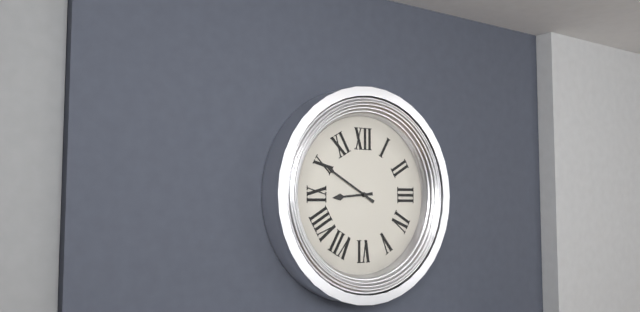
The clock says 8:50
